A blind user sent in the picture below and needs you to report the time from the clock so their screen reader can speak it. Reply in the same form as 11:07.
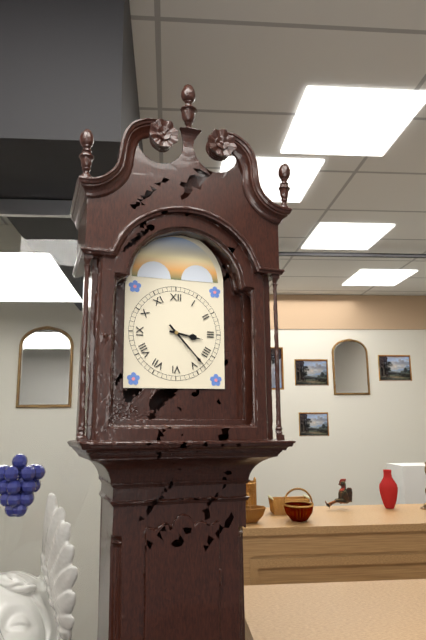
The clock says 3:23
